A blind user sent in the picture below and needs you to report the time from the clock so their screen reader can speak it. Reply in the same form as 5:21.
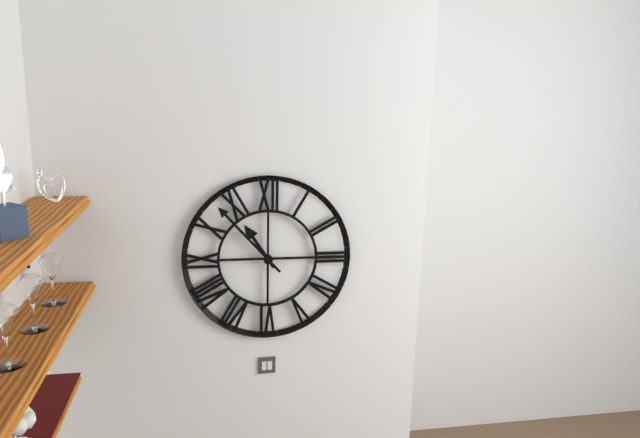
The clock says 10:53
